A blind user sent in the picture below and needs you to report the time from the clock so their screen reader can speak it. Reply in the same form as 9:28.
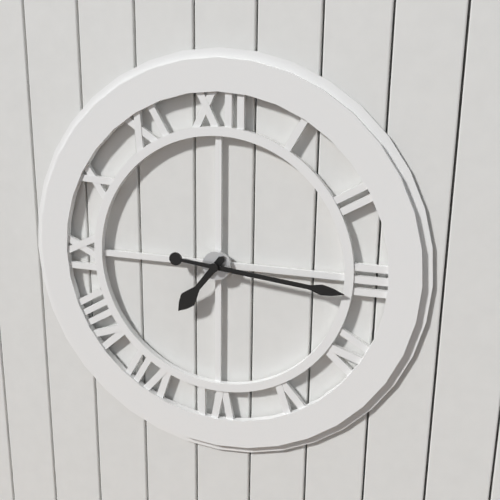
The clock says 7:16
